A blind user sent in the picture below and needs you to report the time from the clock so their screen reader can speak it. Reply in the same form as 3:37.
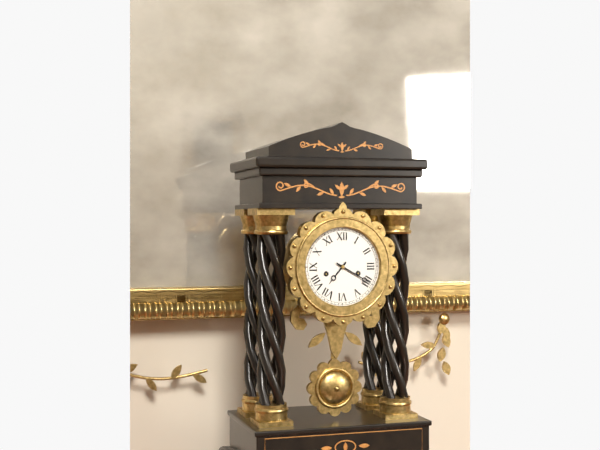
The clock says 7:20
